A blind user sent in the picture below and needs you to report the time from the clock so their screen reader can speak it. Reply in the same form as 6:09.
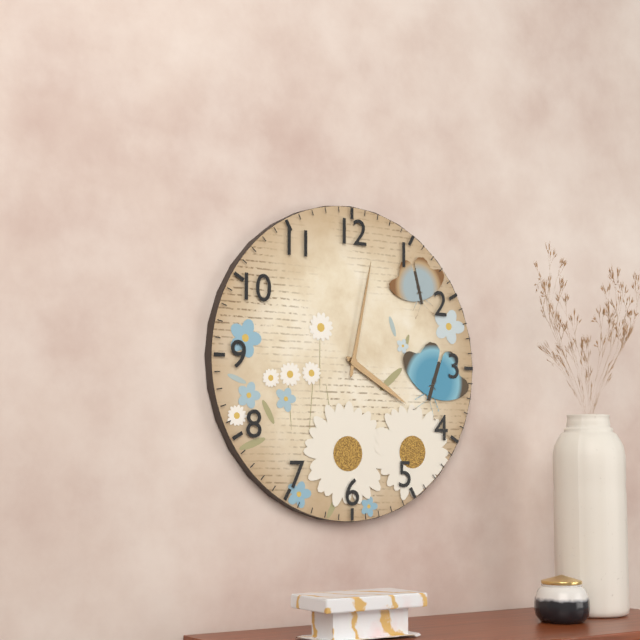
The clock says 4:02
